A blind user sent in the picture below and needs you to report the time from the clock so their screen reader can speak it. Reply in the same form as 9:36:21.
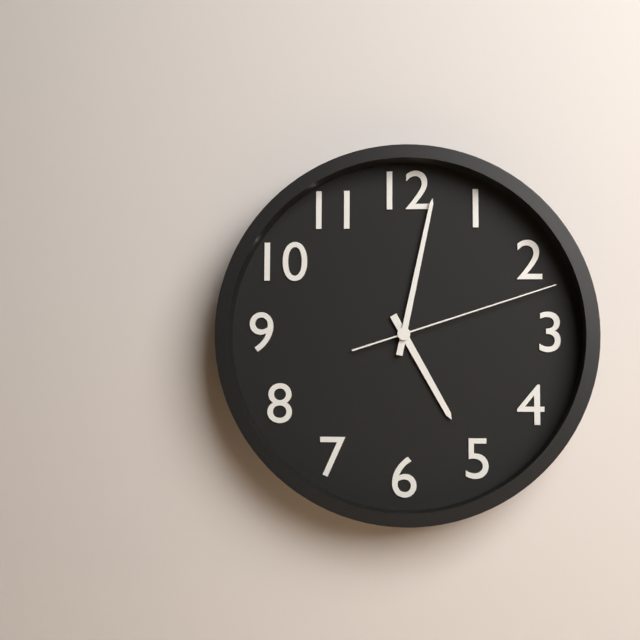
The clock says 5:02:12
